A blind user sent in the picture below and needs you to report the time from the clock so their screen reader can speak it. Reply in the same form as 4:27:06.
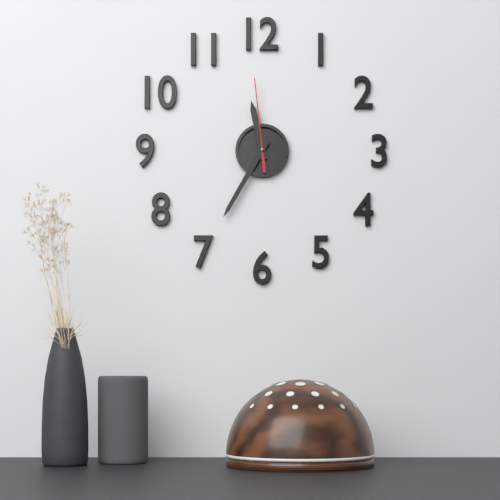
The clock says 11:35:59
